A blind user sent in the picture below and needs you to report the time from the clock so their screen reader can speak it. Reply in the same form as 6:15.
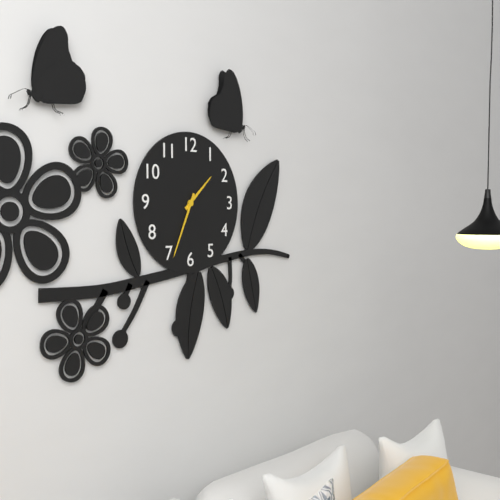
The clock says 1:34
